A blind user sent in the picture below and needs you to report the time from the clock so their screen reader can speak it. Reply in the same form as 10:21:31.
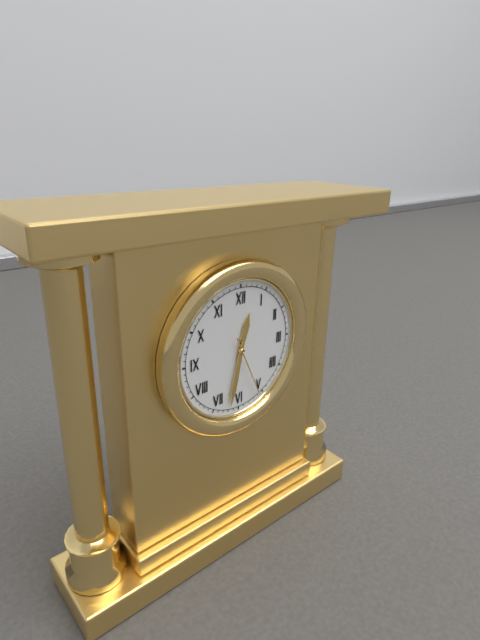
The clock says 12:32:26
